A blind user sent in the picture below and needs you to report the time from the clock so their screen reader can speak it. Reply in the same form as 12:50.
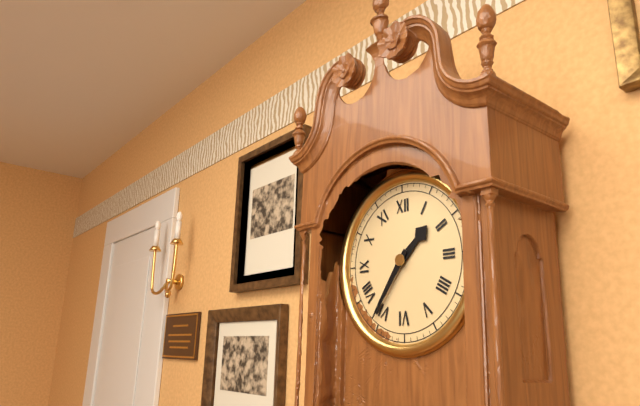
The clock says 1:36
